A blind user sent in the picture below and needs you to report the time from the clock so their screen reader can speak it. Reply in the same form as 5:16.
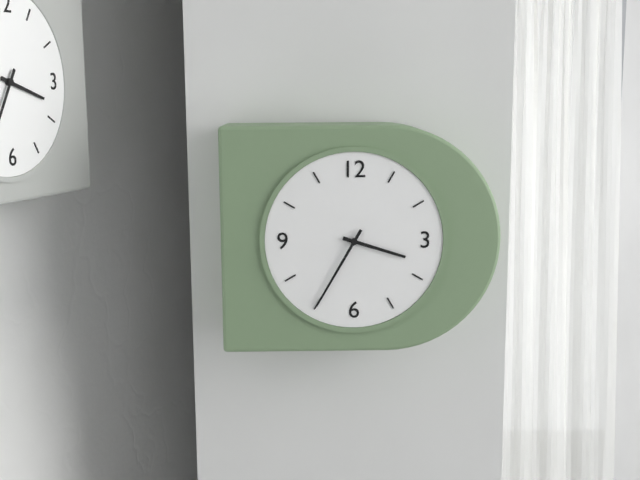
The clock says 3:35
